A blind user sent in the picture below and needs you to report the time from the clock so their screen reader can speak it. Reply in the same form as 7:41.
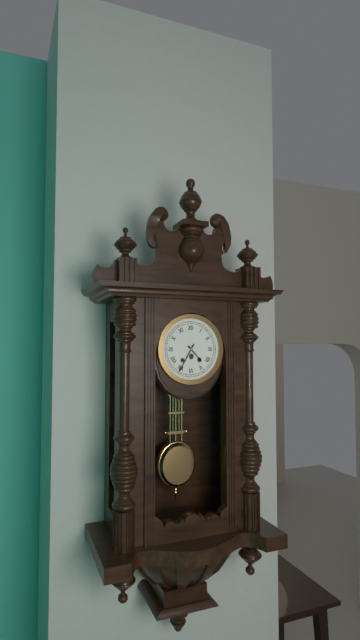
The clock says 4:35
